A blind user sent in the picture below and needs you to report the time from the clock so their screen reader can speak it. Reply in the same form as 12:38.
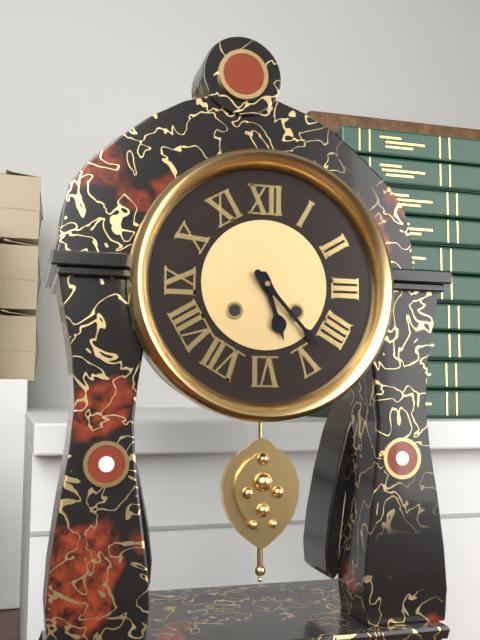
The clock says 5:23
